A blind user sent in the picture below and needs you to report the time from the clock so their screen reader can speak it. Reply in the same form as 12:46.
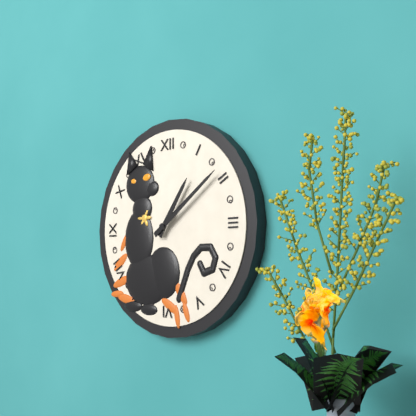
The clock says 1:09
